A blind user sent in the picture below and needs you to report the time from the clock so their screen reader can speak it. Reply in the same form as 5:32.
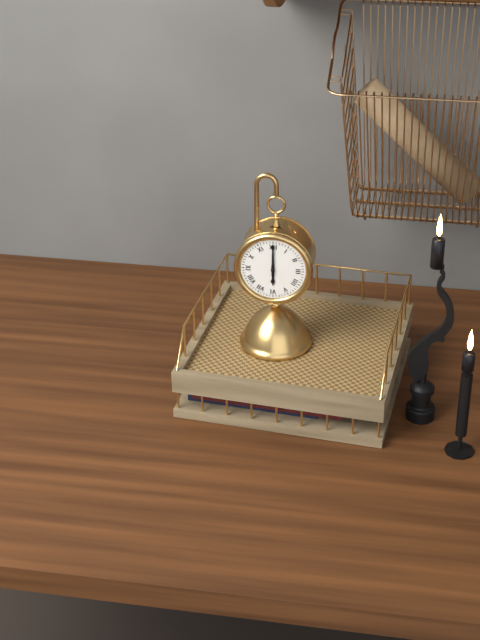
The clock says 6:00
